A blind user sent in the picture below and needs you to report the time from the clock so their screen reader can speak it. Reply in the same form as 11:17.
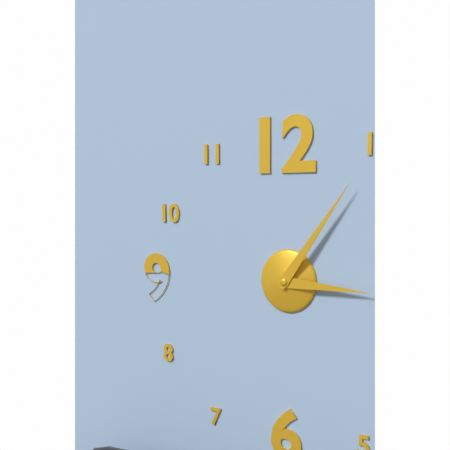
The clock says 3:06
